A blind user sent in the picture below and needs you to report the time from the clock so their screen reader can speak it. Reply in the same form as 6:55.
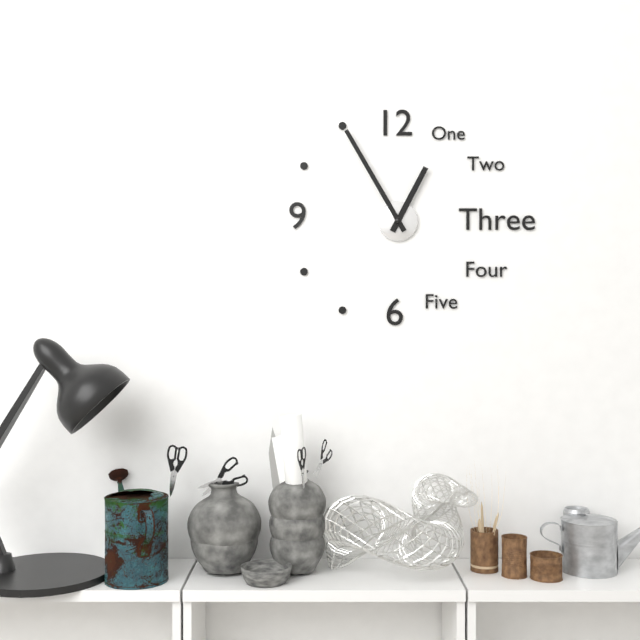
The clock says 12:55
